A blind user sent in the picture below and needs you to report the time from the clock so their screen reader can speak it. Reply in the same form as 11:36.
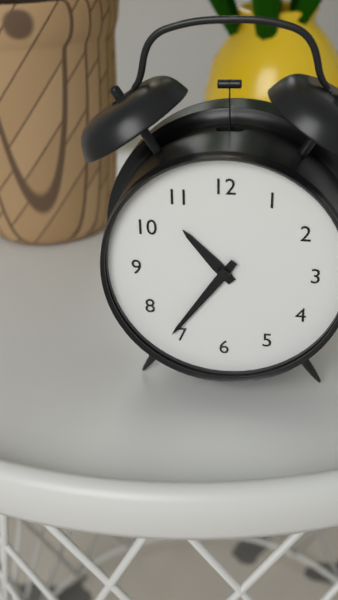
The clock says 10:36
